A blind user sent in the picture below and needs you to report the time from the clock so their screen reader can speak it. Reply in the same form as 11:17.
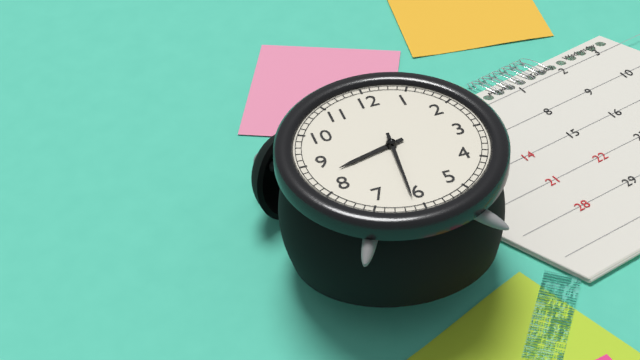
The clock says 8:31
